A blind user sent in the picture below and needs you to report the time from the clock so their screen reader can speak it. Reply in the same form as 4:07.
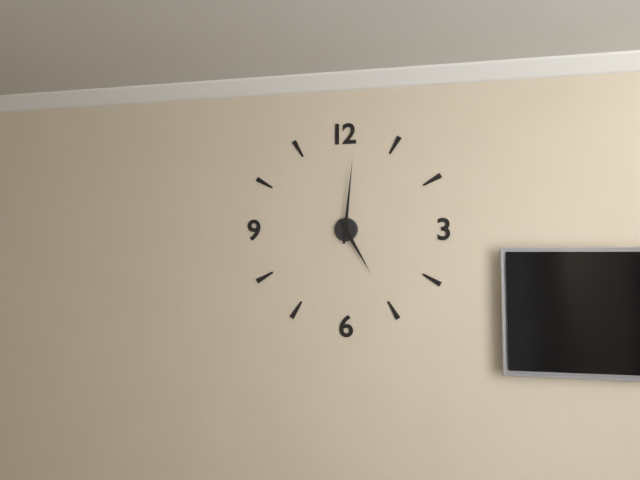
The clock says 5:01
